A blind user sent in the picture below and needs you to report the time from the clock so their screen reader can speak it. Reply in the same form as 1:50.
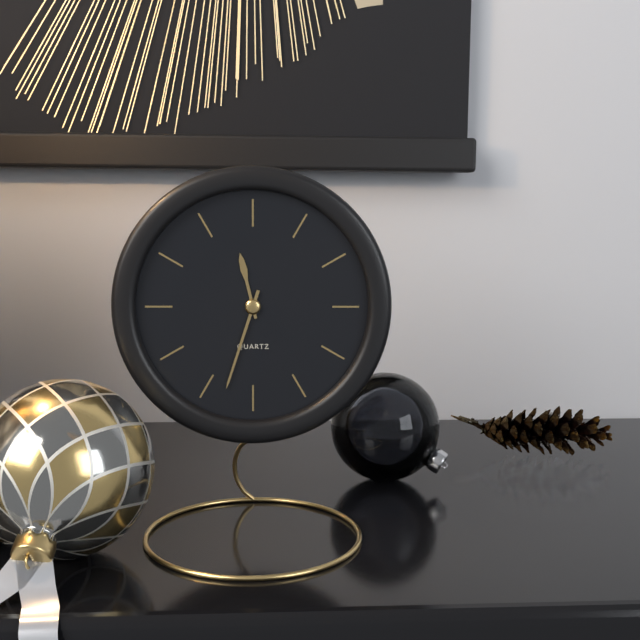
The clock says 11:33
